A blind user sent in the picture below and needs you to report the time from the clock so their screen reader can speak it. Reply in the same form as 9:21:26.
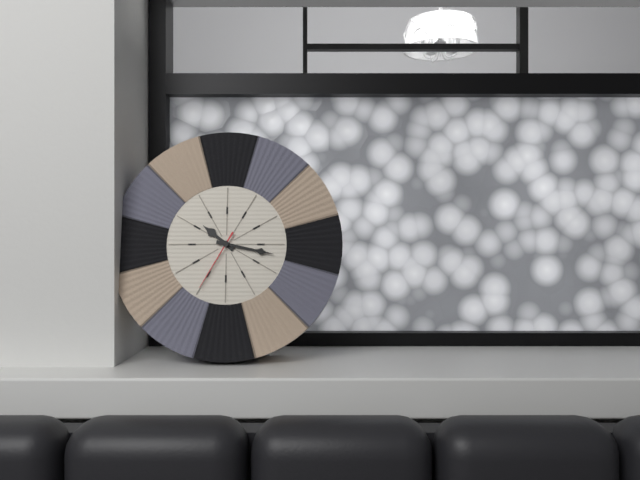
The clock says 10:17:35
